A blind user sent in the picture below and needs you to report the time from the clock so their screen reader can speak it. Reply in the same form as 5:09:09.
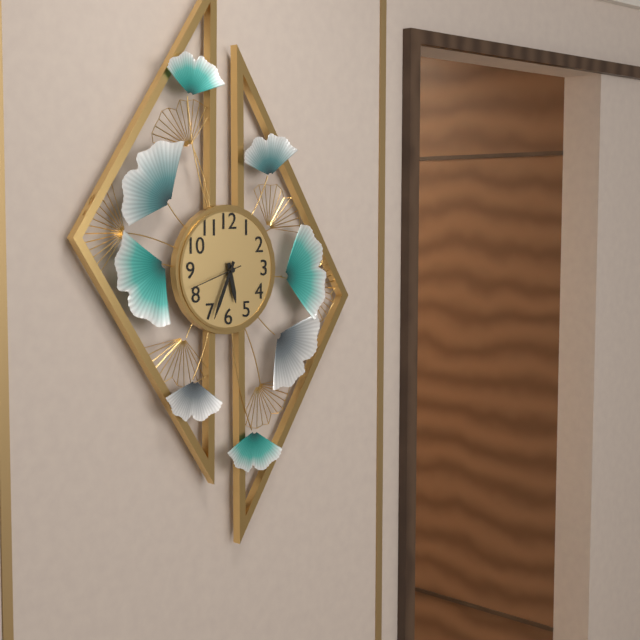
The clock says 5:34:42
